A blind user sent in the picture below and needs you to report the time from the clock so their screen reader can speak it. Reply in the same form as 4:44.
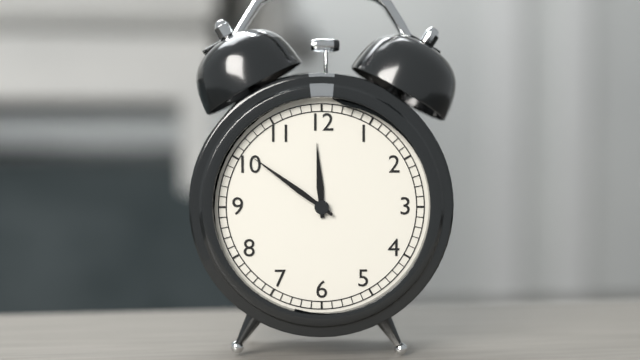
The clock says 11:51
